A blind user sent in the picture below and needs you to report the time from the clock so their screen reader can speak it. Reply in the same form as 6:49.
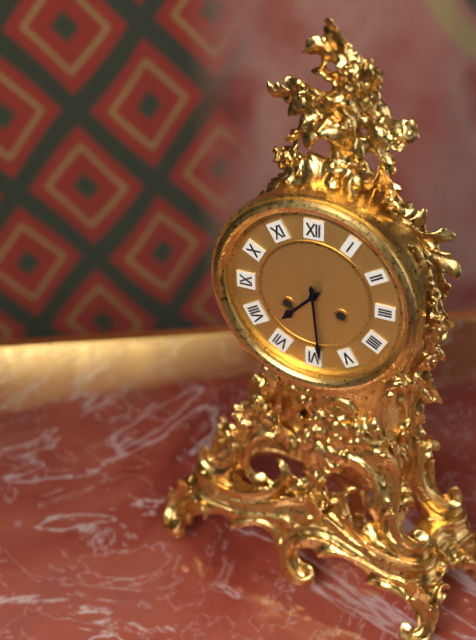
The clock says 7:29
